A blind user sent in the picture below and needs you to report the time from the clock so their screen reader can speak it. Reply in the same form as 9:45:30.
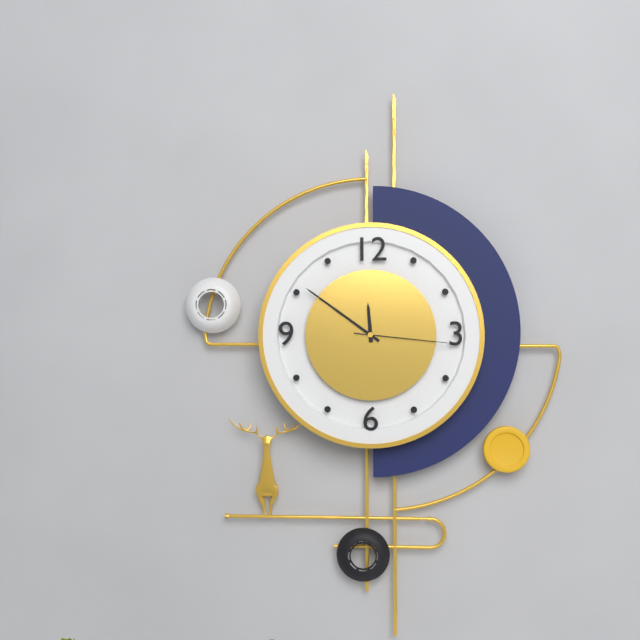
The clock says 11:51:16
